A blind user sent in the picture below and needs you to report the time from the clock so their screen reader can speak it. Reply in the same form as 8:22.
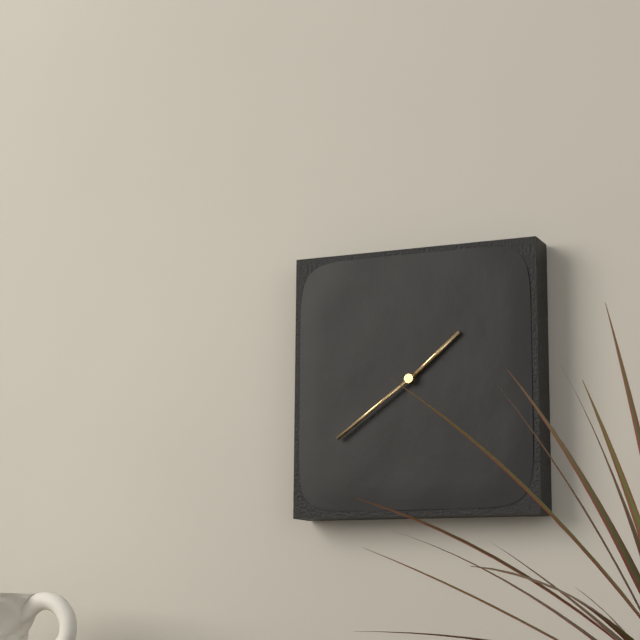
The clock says 1:39
